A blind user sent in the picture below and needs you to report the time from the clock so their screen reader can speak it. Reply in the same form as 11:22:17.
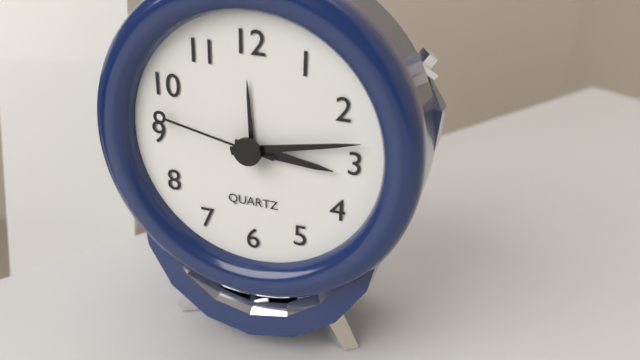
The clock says 3:13:47
